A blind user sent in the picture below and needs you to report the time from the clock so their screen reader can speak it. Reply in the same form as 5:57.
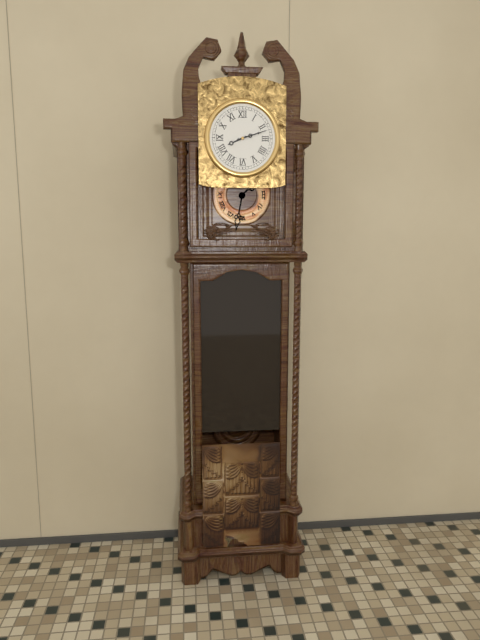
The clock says 8:12
